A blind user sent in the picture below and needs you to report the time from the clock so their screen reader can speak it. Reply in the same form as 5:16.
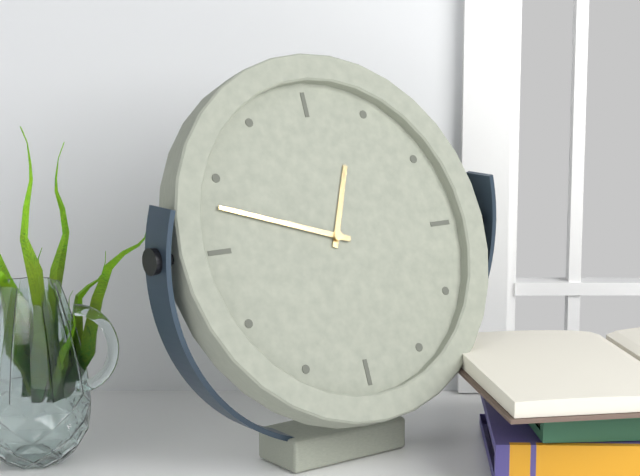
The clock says 12:48
